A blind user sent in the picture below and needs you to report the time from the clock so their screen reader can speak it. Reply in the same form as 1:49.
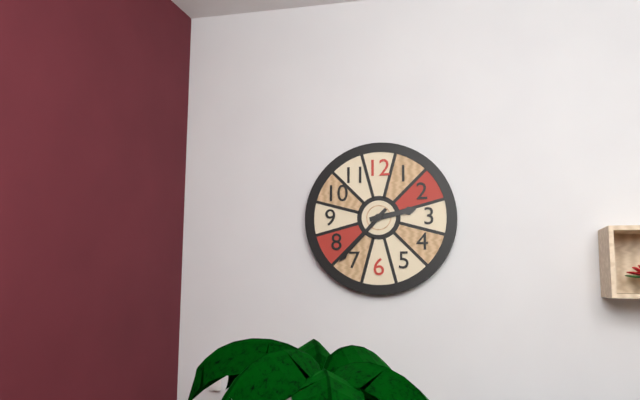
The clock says 2:37
